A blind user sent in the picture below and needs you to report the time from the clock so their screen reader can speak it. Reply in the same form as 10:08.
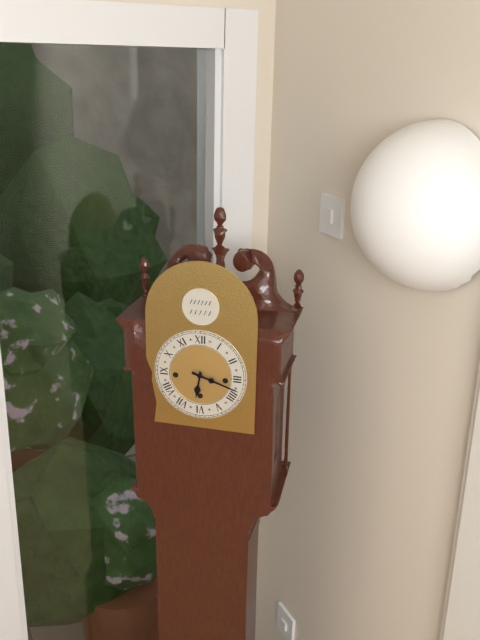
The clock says 6:18
